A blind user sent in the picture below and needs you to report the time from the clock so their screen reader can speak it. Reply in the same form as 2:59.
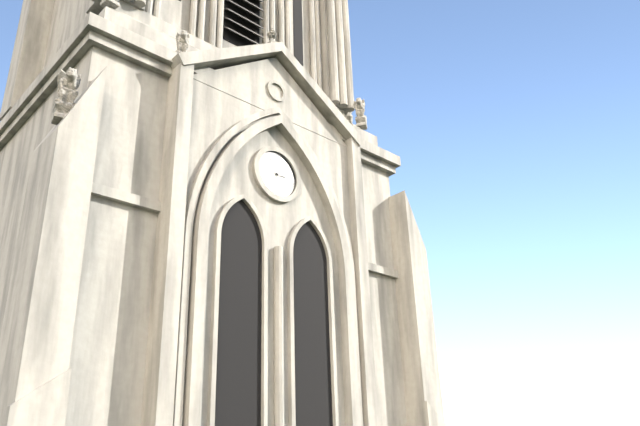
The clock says 2:56
